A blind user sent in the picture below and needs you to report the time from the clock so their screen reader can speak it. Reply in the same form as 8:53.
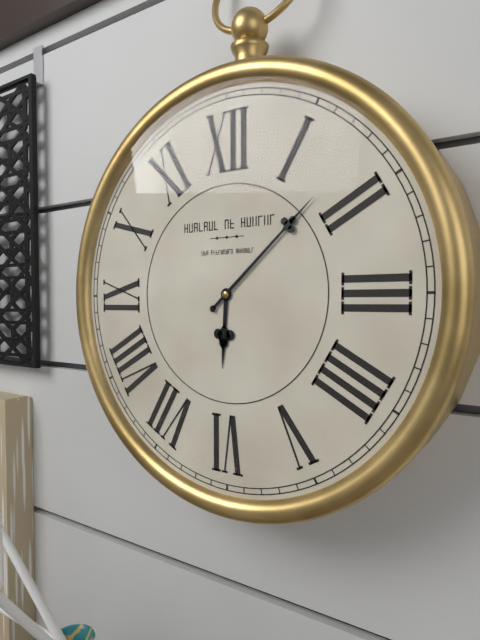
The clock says 6:08
